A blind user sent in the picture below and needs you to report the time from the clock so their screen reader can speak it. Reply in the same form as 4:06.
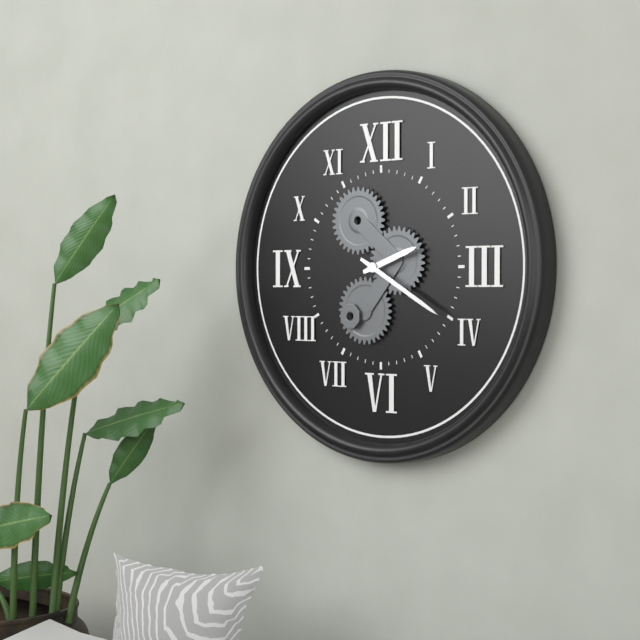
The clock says 2:20
